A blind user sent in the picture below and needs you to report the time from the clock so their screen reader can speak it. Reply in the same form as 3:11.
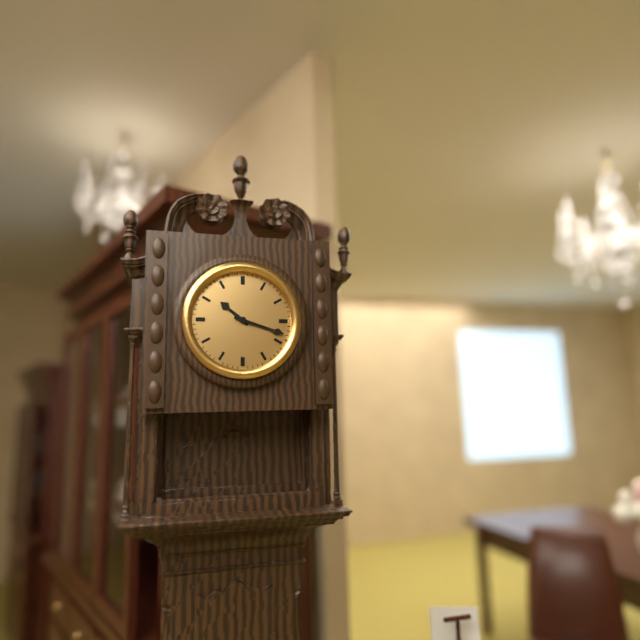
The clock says 10:18
